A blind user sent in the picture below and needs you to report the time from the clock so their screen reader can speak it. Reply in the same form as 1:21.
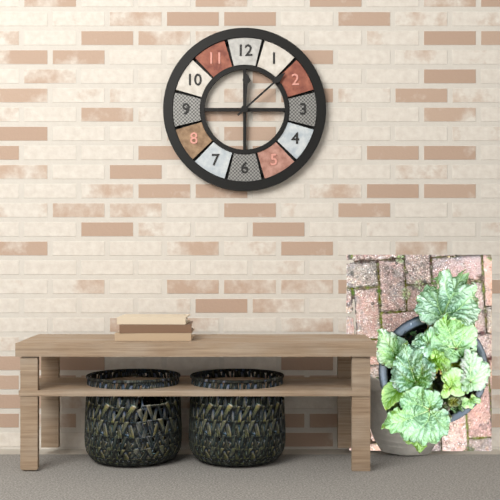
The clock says 12:08
